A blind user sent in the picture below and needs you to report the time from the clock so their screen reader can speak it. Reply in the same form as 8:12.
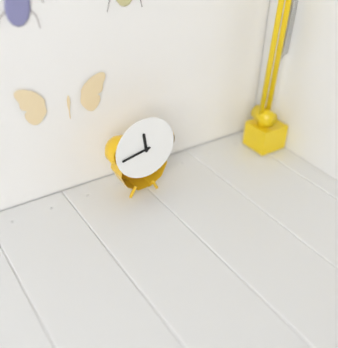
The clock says 11:43
